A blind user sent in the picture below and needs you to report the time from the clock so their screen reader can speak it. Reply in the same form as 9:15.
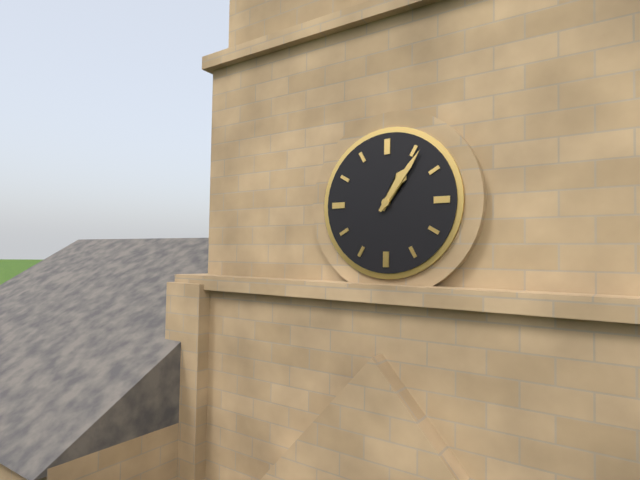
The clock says 1:06
